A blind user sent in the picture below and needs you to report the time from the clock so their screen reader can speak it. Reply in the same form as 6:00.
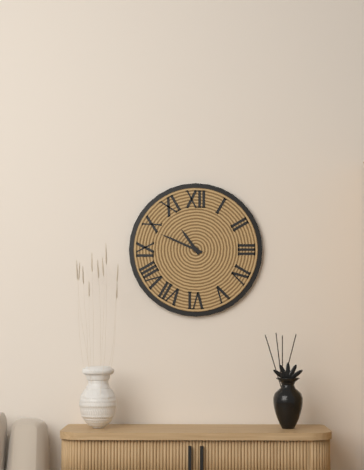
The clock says 10:49
